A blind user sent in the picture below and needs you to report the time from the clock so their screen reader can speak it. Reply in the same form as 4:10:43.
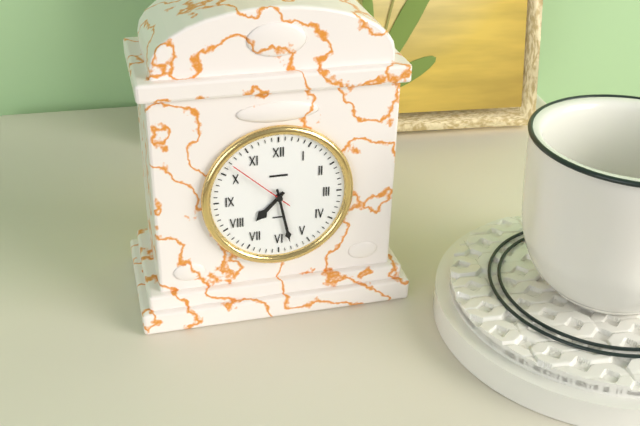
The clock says 7:28:52
